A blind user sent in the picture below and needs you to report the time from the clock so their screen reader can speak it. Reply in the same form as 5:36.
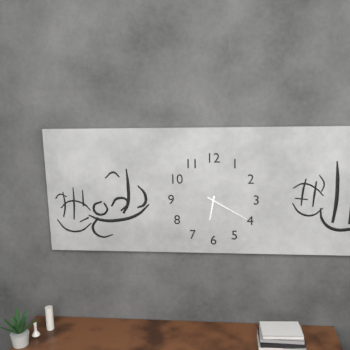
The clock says 6:20
